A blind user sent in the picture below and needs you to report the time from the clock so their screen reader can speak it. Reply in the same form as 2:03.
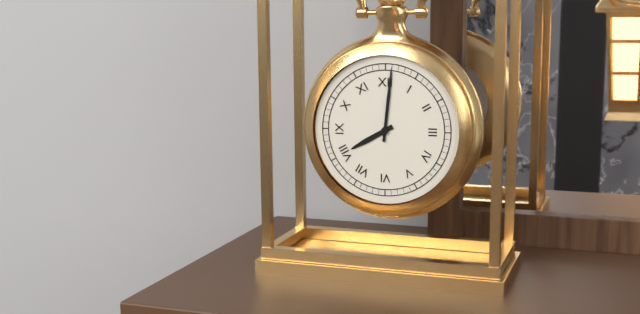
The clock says 8:01
